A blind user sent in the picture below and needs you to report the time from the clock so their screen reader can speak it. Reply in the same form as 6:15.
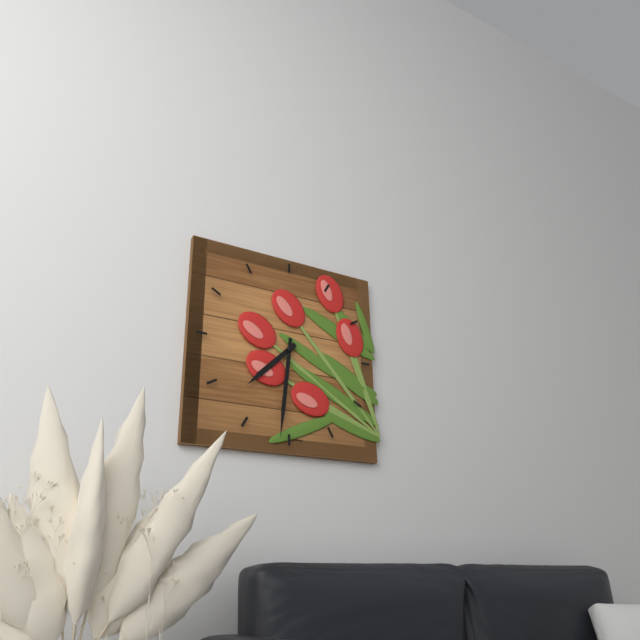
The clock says 7:31
